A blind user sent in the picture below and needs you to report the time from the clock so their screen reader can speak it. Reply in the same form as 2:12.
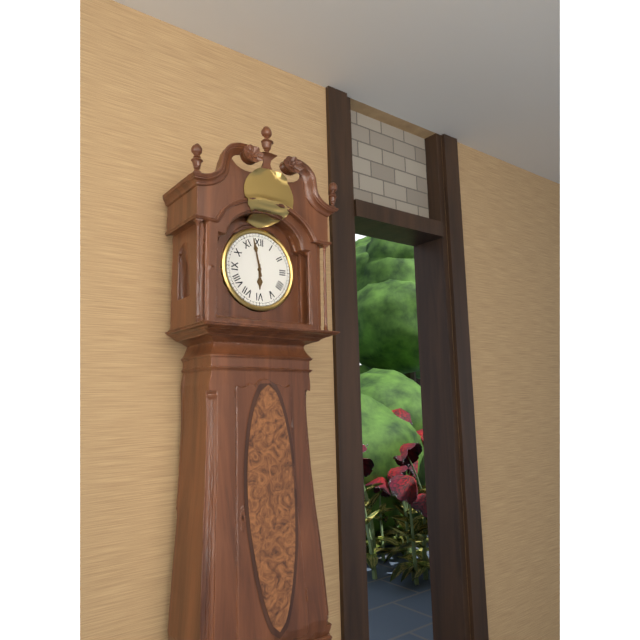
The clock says 5:58
